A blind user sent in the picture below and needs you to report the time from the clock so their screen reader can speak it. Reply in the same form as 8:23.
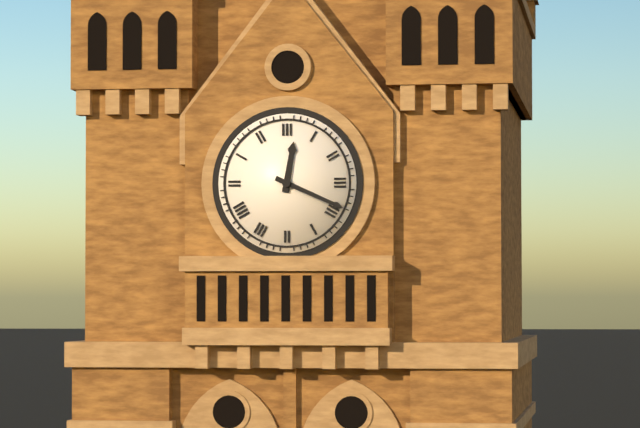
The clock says 12:19
